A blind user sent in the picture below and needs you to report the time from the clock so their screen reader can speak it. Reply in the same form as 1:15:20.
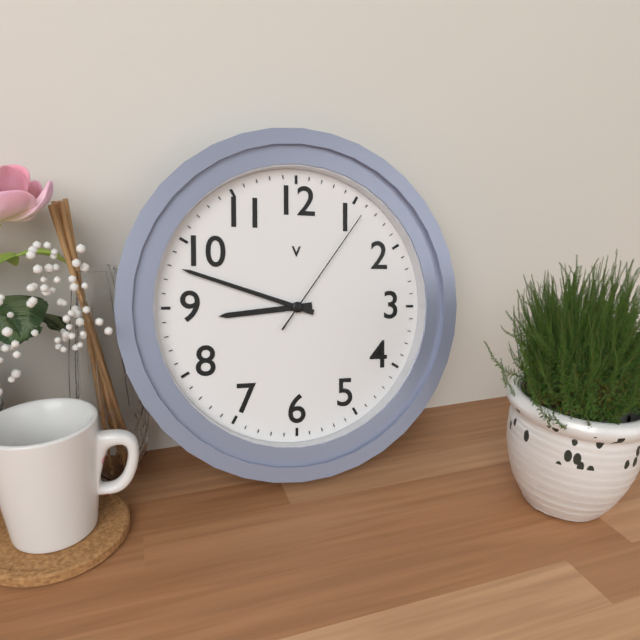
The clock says 8:48:06
